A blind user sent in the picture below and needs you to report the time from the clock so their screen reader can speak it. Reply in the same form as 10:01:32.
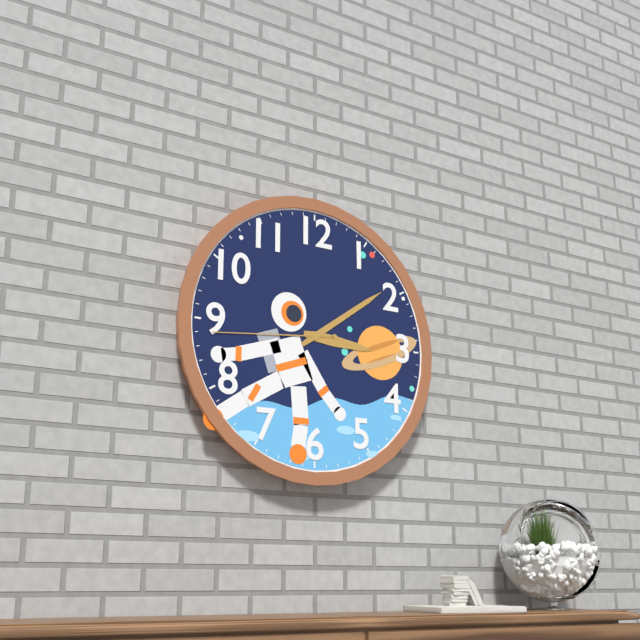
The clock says 3:09:44
